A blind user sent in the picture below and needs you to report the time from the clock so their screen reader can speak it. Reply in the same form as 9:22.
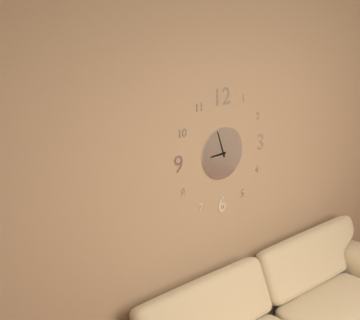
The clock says 8:57
